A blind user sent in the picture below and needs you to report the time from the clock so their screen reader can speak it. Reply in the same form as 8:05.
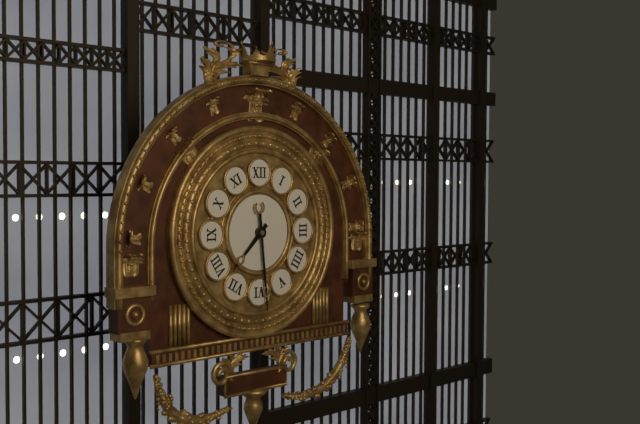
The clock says 7:29
